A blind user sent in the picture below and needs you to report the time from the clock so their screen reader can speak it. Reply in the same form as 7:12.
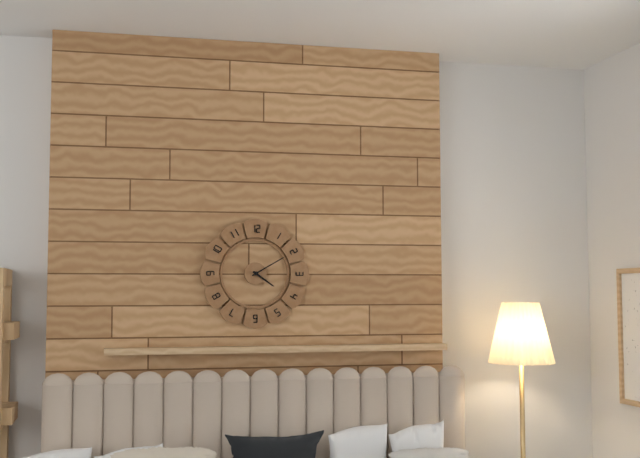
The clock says 4:10
